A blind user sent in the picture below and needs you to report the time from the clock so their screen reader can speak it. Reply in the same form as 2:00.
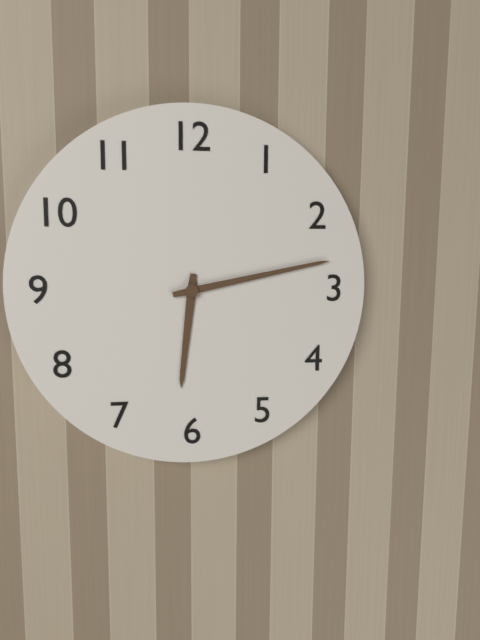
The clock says 6:13
